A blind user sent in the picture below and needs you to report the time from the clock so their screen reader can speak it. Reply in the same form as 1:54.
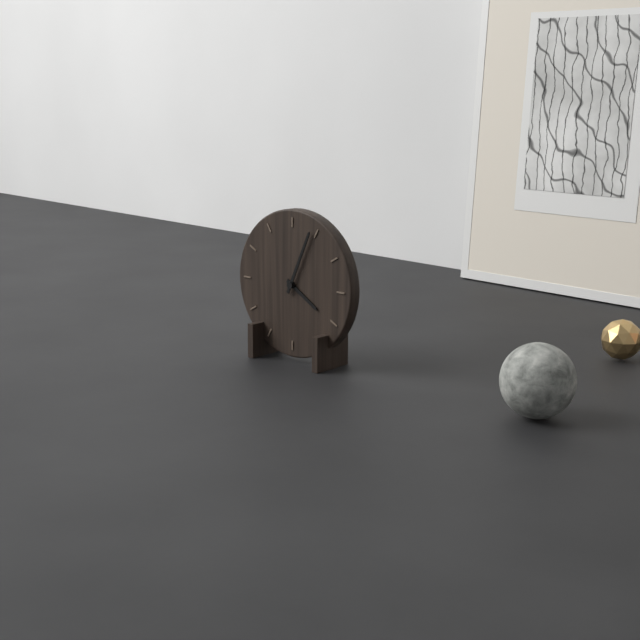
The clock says 4:04
